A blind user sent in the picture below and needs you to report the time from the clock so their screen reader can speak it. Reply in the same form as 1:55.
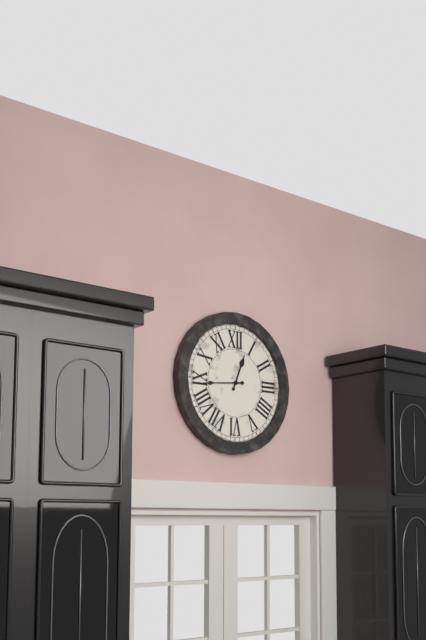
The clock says 12:44
